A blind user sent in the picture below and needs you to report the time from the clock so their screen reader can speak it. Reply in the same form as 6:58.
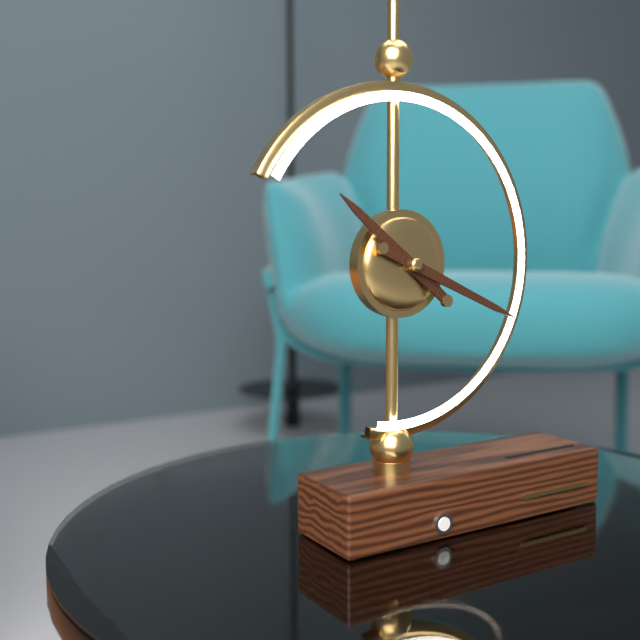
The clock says 10:19
